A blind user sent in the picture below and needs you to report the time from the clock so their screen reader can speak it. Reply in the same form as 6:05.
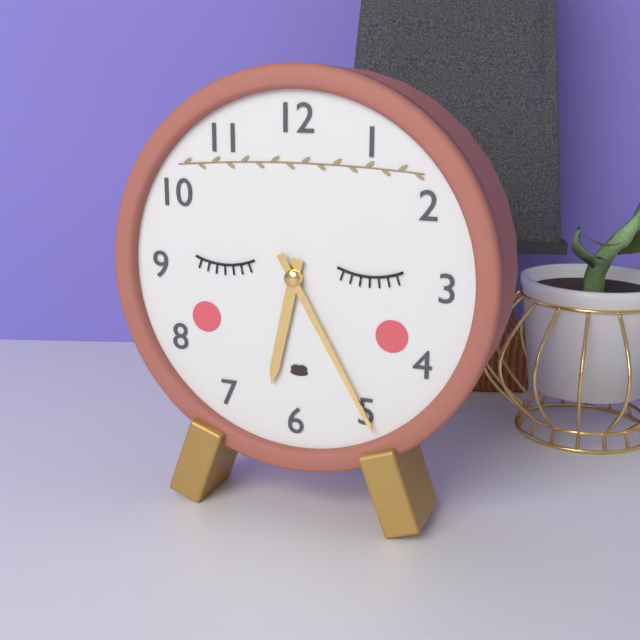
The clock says 6:25
